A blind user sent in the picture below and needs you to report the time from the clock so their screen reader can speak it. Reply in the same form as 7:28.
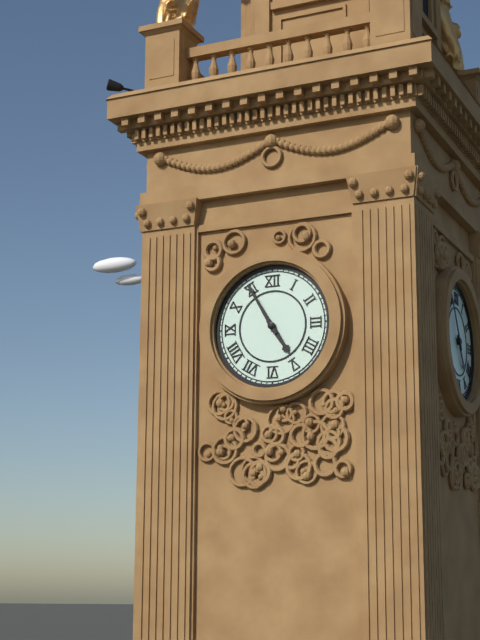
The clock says 4:55
